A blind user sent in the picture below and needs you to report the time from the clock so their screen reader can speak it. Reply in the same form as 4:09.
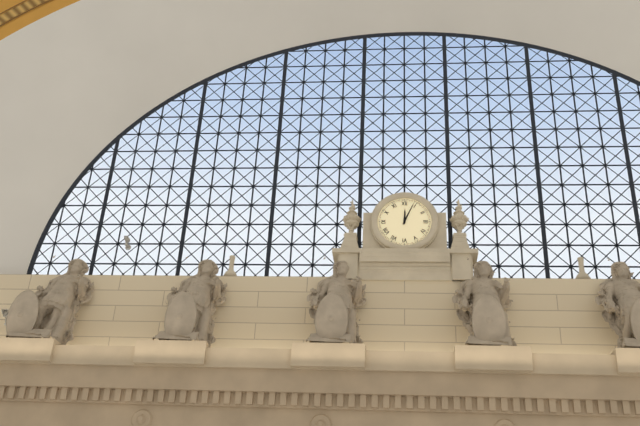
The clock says 12:04
